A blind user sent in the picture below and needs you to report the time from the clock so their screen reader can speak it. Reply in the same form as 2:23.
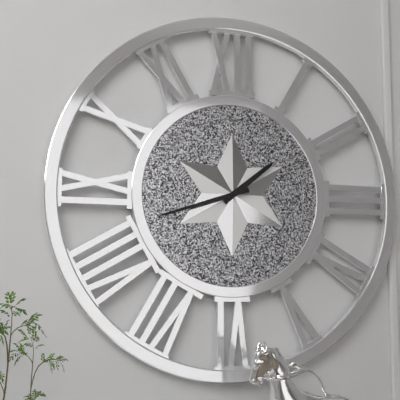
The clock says 1:42
